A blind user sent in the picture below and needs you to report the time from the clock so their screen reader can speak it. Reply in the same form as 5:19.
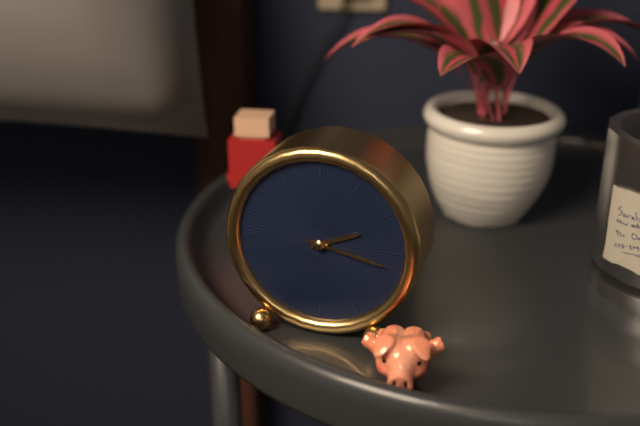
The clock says 2:17
